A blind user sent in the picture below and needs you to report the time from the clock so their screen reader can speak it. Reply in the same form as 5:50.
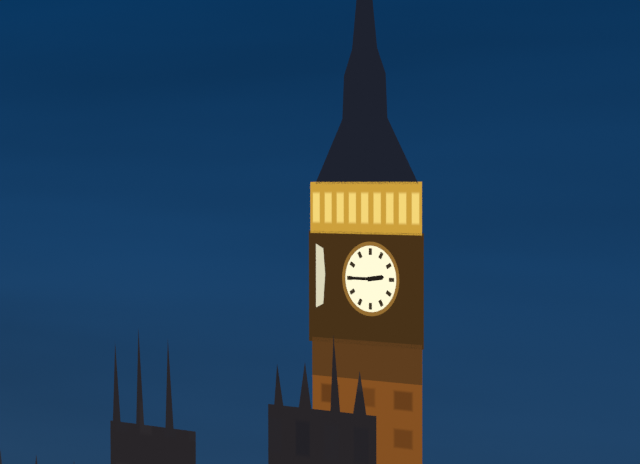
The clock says 2:45
